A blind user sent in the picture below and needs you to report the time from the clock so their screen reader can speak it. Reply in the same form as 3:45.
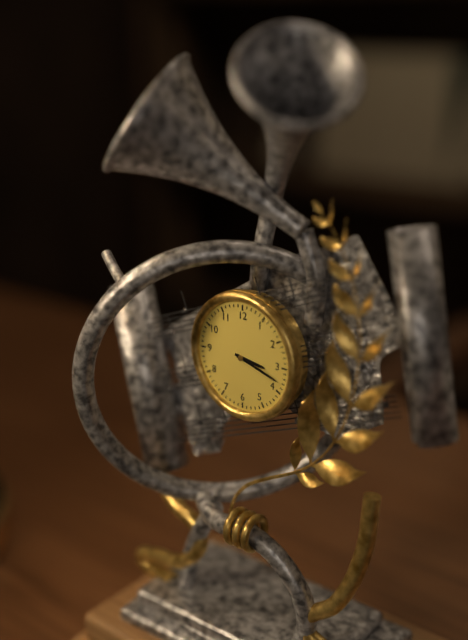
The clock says 3:18
